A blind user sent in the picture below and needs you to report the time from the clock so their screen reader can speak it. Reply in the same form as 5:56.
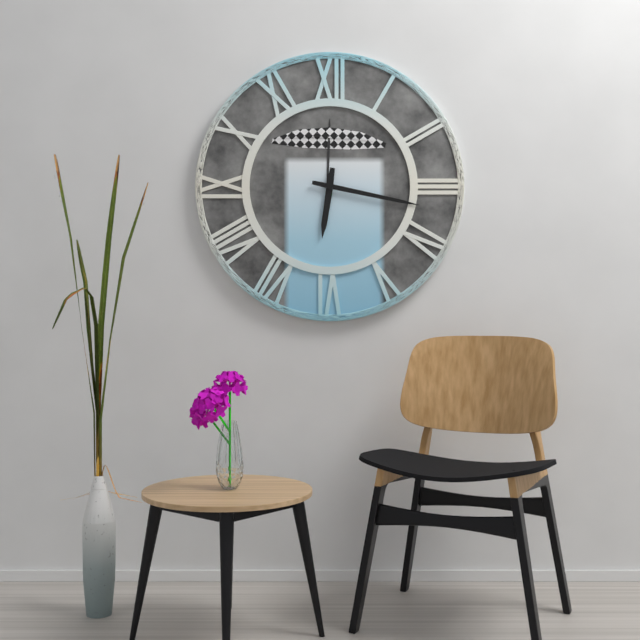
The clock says 6:17
